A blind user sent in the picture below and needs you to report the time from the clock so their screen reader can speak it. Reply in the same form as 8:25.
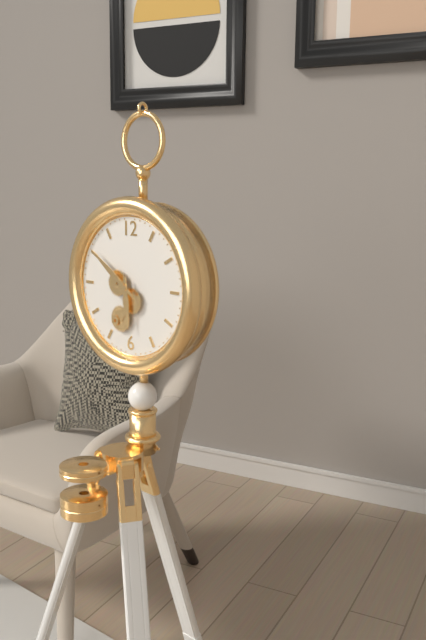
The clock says 5:51
